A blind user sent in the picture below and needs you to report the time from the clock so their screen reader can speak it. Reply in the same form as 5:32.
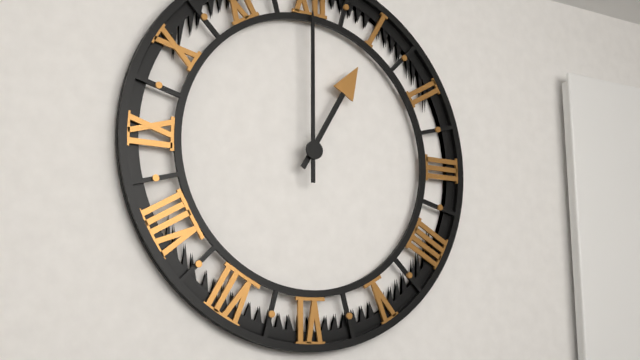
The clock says 1:00
